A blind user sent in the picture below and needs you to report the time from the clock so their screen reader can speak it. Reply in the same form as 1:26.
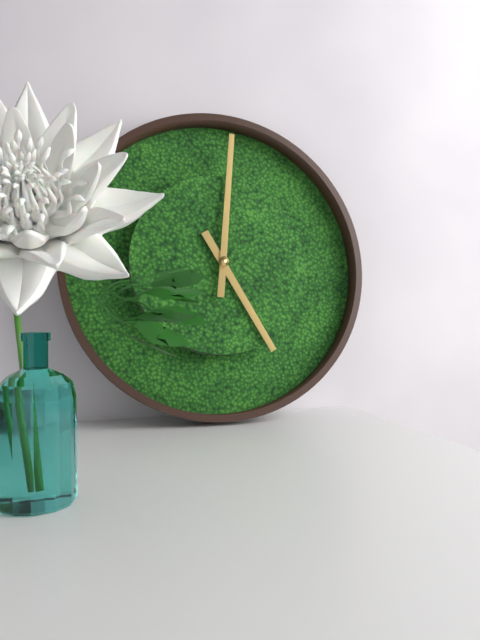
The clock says 5:01
